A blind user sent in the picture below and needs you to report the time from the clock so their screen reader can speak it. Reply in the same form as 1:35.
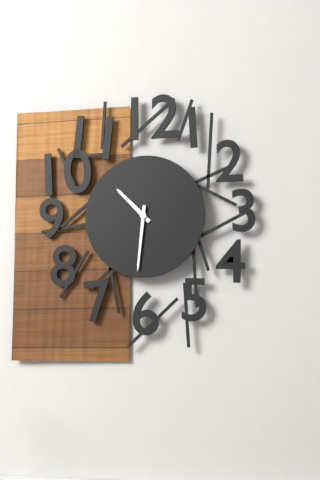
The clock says 10:31
